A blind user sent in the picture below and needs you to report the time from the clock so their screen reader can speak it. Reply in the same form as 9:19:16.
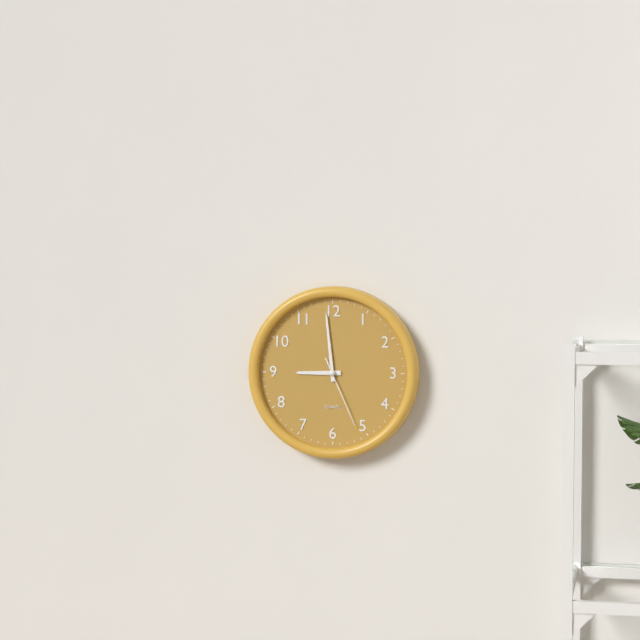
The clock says 8:59:26
